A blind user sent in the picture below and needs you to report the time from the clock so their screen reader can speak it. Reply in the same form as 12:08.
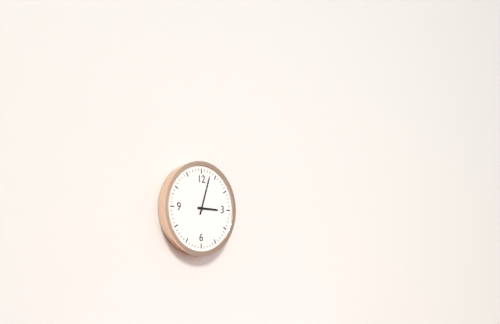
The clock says 3:03
